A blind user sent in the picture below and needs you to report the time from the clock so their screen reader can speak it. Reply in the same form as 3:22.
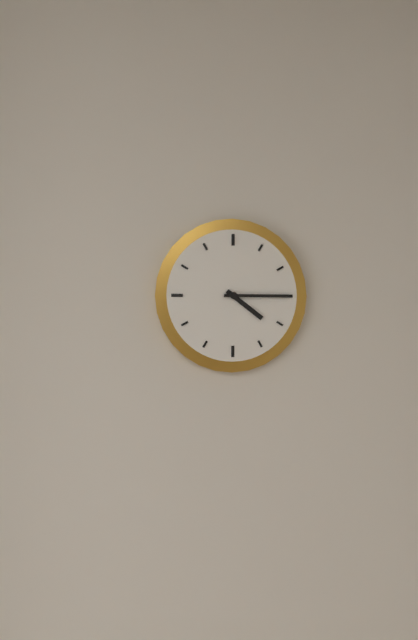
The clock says 4:15
